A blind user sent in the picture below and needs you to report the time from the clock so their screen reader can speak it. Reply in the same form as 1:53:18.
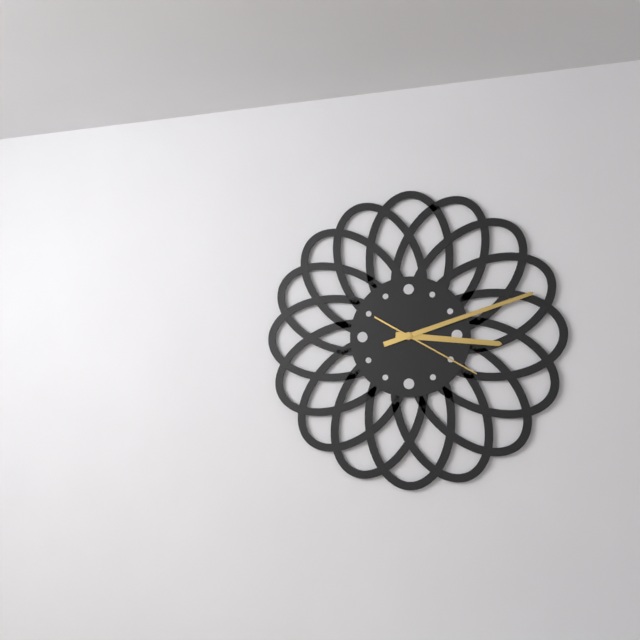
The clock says 3:12:20
